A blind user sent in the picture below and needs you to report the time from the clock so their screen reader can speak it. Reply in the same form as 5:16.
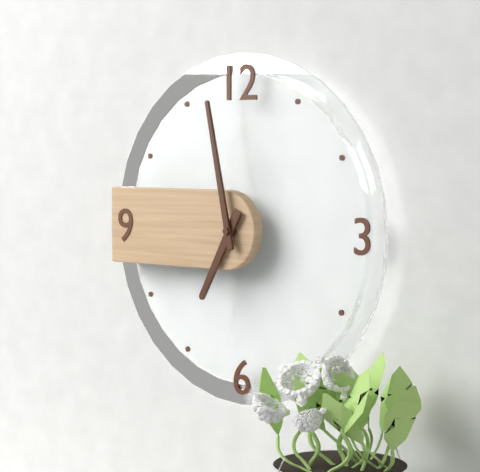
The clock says 6:58
